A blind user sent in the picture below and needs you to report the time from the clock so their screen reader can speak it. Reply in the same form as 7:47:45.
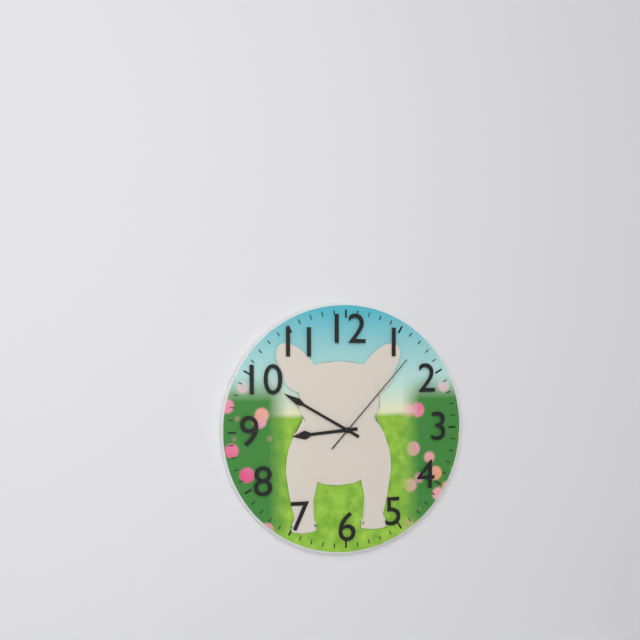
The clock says 8:50:07
